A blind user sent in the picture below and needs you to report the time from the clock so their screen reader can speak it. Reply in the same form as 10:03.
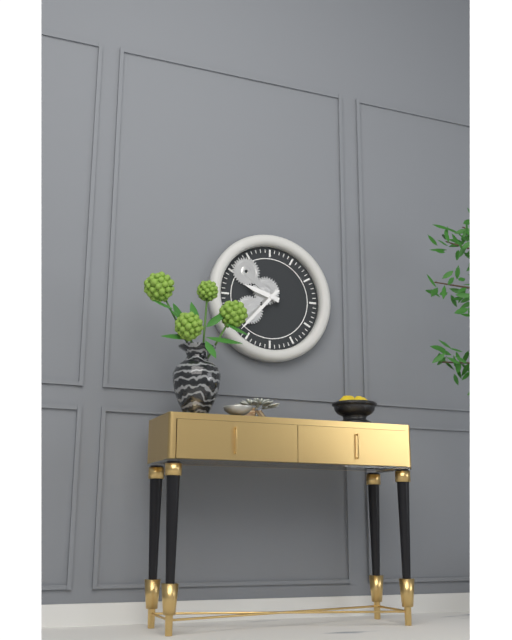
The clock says 9:37
